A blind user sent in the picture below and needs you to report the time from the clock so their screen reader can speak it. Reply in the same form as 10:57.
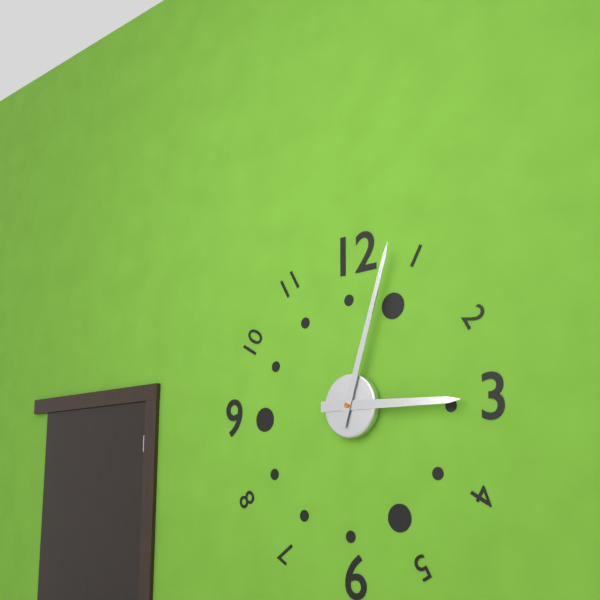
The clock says 3:03
